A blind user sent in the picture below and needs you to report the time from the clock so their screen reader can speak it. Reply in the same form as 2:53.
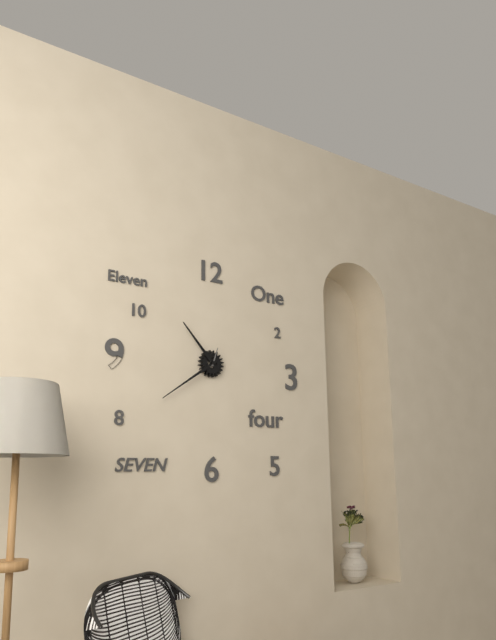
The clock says 10:39
